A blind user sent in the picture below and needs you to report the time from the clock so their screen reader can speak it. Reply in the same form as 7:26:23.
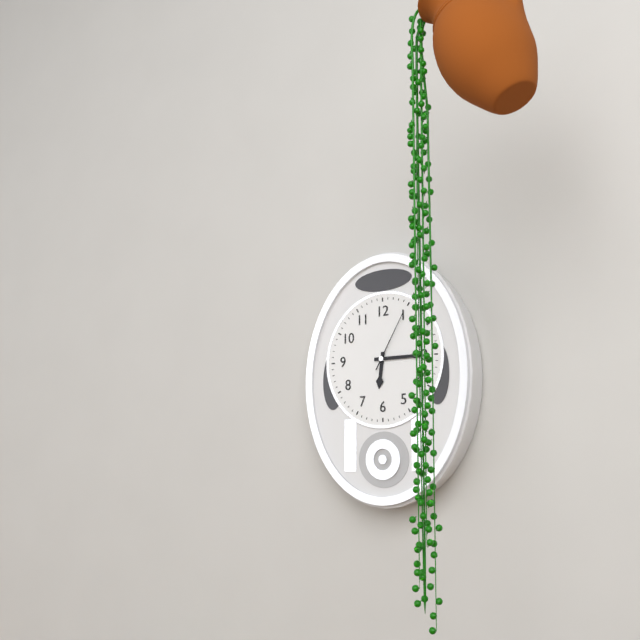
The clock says 6:15:05
